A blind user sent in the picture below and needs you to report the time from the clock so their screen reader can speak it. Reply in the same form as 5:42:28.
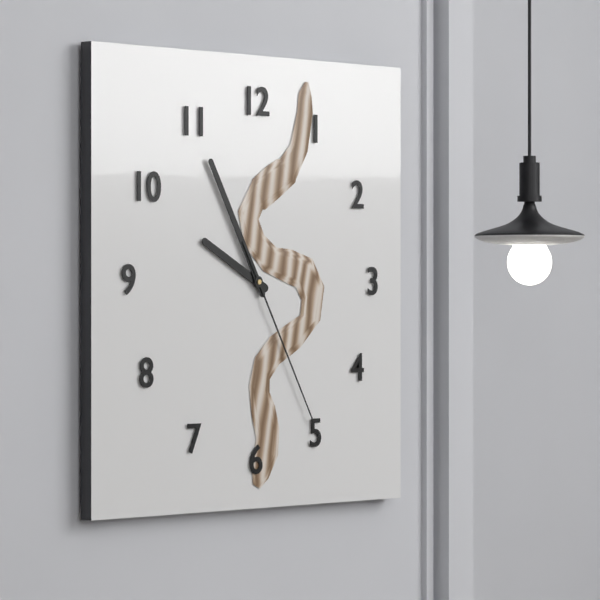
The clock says 9:55:25
